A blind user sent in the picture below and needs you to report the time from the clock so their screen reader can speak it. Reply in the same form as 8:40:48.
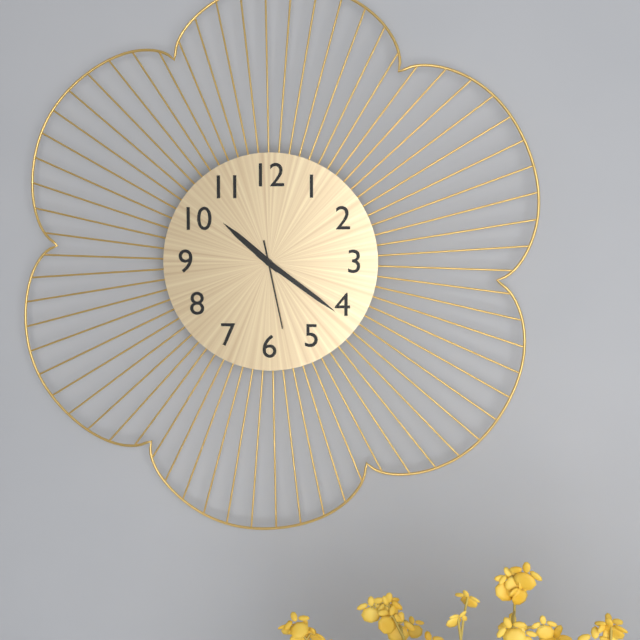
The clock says 10:21:28
